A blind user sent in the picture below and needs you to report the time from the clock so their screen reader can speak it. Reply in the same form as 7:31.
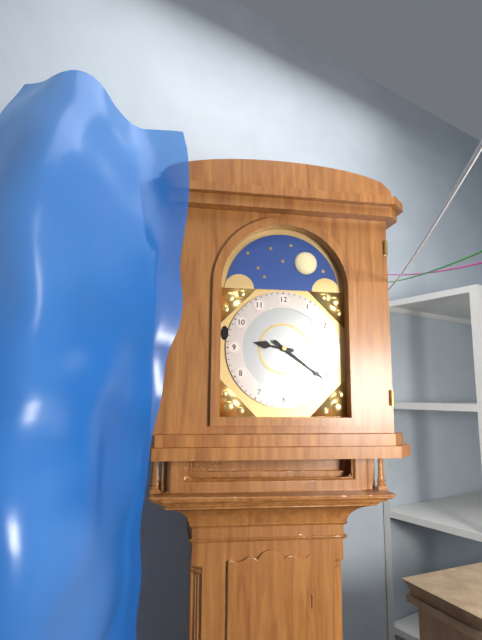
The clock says 9:21
